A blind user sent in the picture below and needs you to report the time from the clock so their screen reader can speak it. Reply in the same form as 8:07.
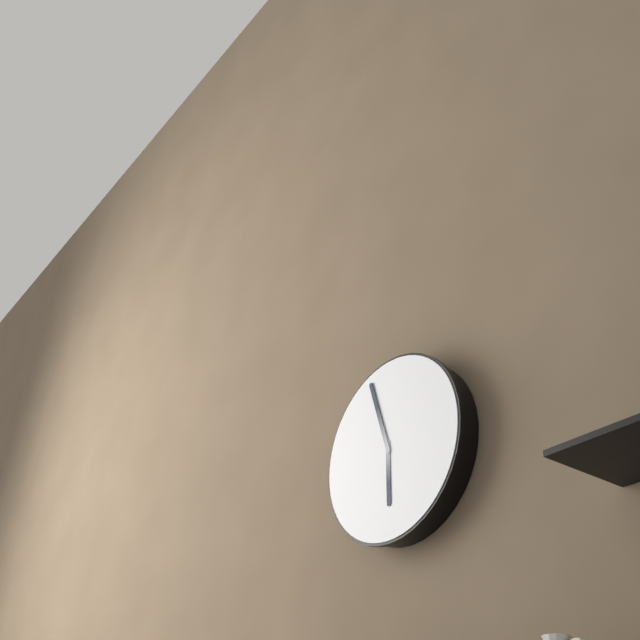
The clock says 5:57
